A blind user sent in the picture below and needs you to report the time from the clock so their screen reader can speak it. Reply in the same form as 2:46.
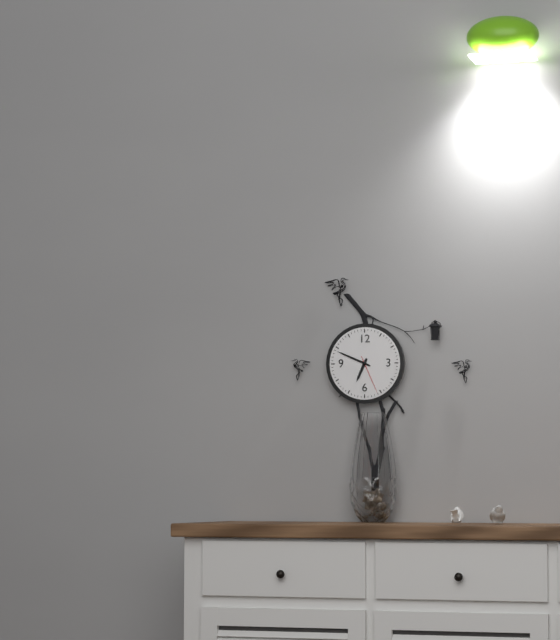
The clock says 6:49
